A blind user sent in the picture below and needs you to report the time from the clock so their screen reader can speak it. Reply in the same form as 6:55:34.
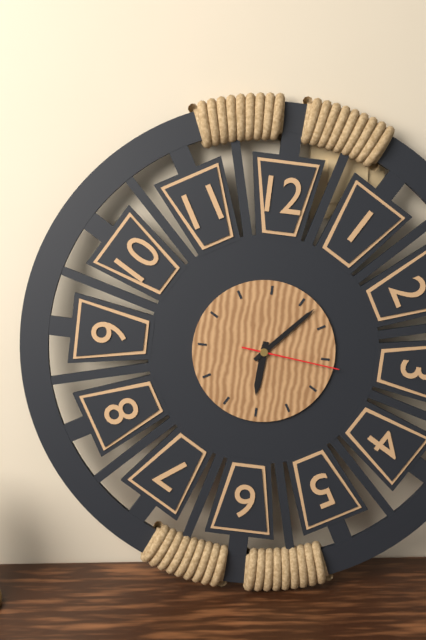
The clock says 6:07:16
